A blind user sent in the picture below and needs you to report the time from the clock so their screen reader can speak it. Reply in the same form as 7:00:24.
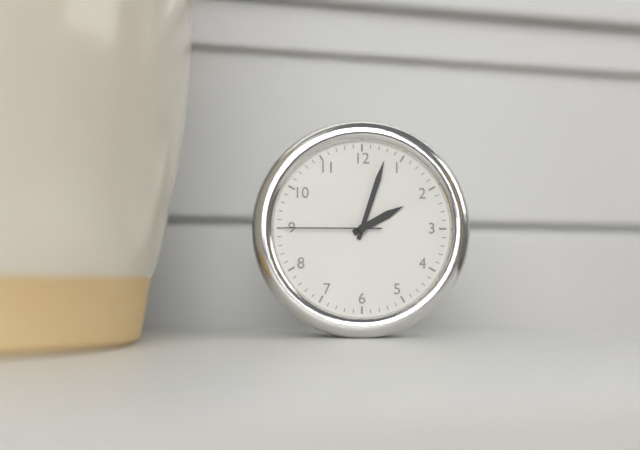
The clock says 2:03:45
